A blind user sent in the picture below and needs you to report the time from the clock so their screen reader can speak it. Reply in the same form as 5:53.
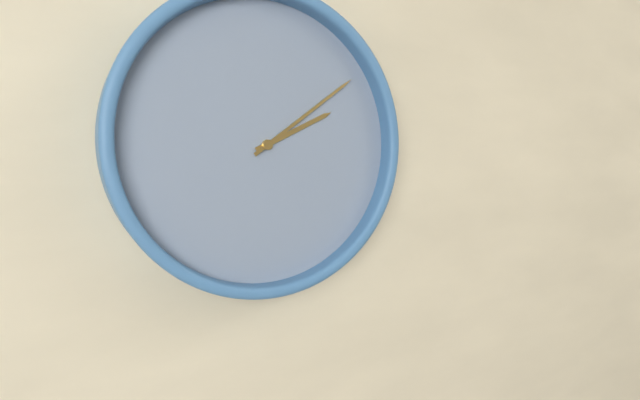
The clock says 2:09
